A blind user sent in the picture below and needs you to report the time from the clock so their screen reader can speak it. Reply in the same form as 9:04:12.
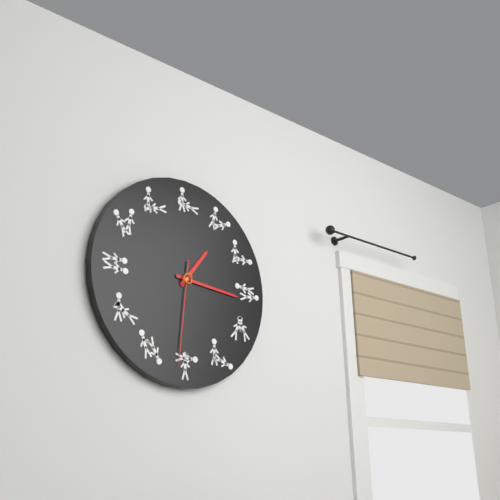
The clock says 1:16:31
